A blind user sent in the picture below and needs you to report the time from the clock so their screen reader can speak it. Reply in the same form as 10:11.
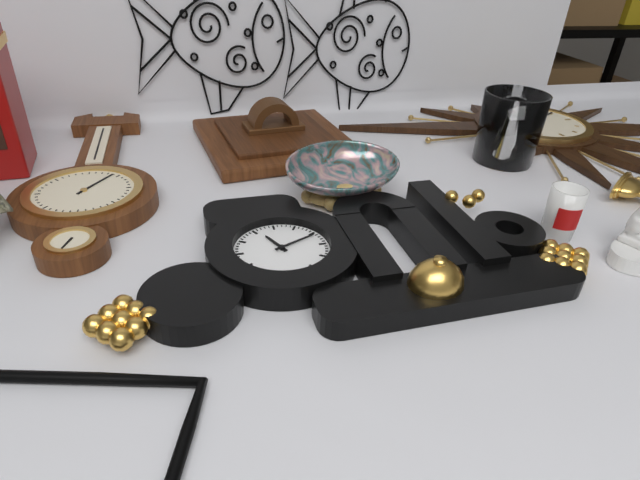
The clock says 11:11
